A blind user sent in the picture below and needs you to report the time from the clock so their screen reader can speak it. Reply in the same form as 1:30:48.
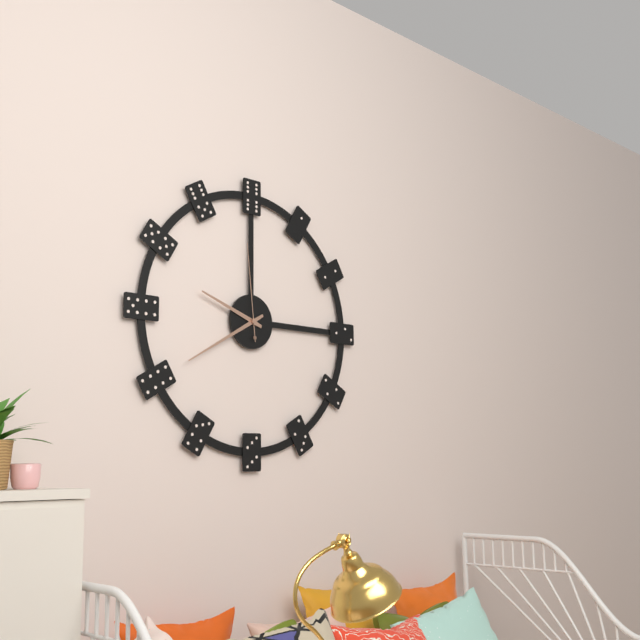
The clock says 9:40:59
